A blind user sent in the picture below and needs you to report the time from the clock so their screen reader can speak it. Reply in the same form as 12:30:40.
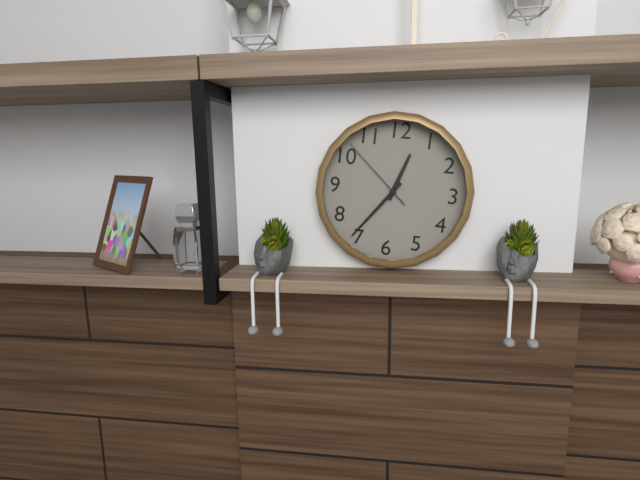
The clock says 12:36:52
